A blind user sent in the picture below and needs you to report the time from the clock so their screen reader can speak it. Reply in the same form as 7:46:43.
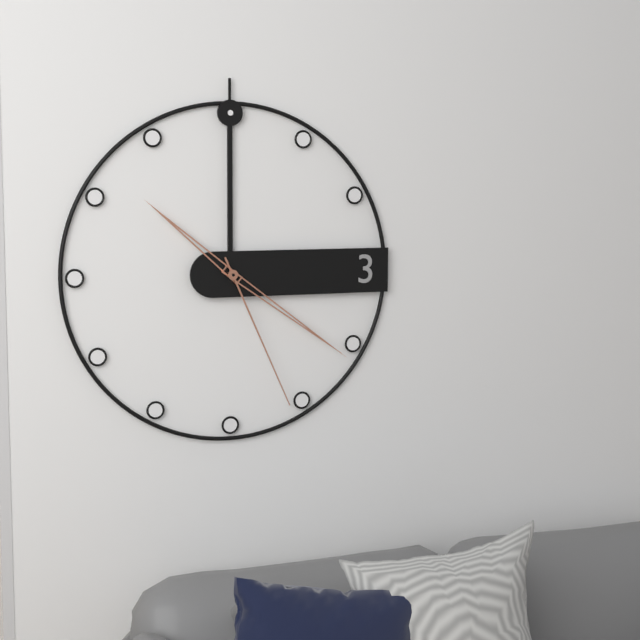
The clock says 10:21:26
